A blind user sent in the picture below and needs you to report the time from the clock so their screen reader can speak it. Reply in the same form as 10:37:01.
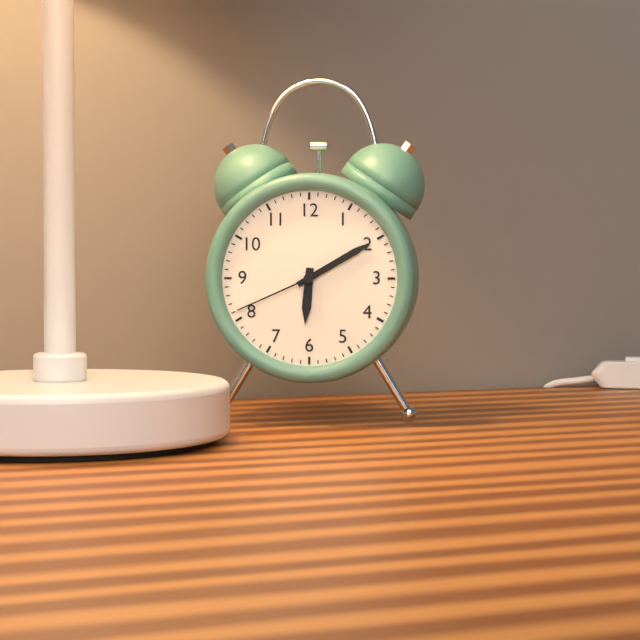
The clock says 6:10:41
